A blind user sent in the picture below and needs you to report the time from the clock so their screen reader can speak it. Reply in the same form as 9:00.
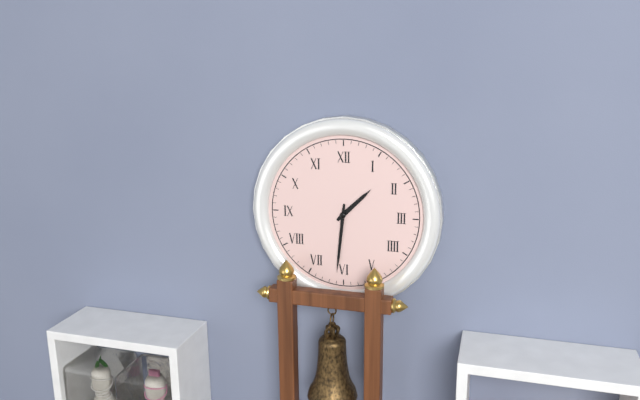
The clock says 1:31
